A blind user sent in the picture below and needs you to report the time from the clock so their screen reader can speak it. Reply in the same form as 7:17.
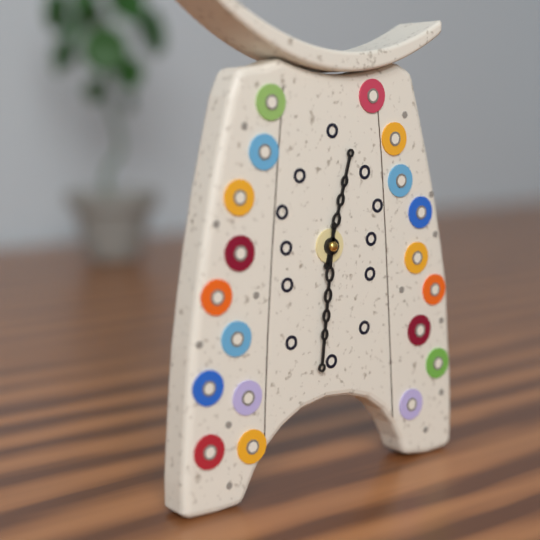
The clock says 12:31
